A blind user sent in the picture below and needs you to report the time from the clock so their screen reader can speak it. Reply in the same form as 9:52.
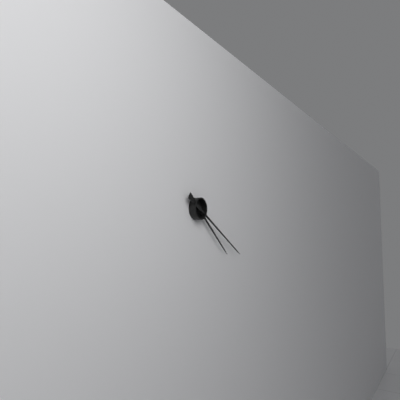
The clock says 4:20
